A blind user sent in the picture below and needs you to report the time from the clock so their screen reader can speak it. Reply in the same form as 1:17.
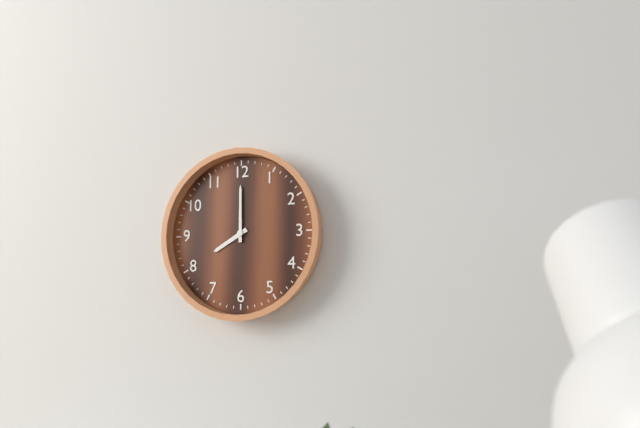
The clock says 8:00
